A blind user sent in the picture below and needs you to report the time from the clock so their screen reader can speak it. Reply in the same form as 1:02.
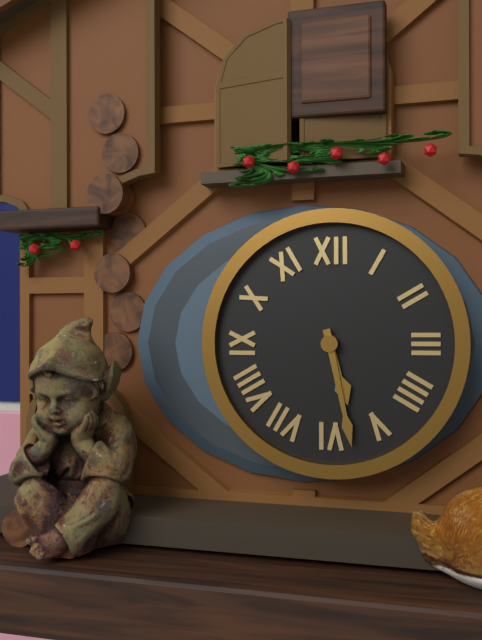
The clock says 5:28
